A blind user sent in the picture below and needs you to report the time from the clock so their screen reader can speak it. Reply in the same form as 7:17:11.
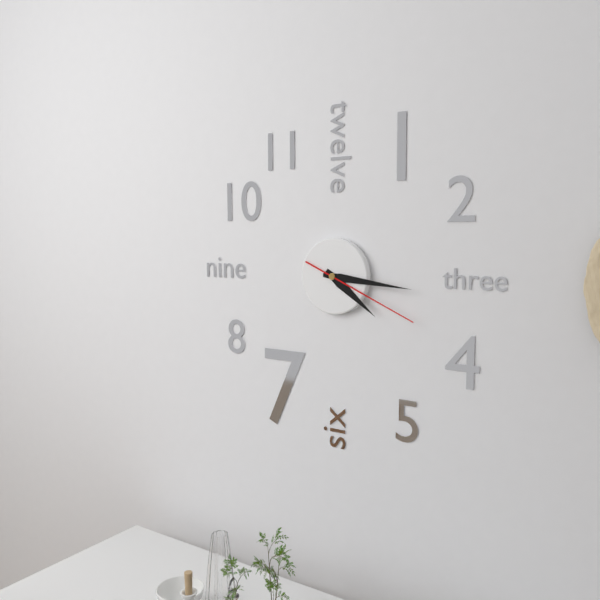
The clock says 4:16:19
